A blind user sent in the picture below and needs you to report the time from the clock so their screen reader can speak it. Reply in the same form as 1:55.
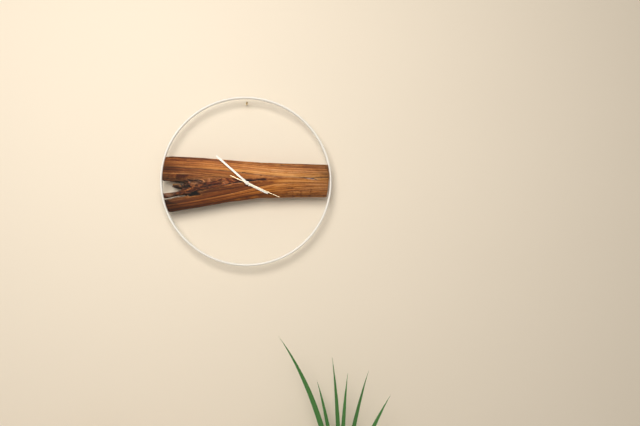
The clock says 3:52
